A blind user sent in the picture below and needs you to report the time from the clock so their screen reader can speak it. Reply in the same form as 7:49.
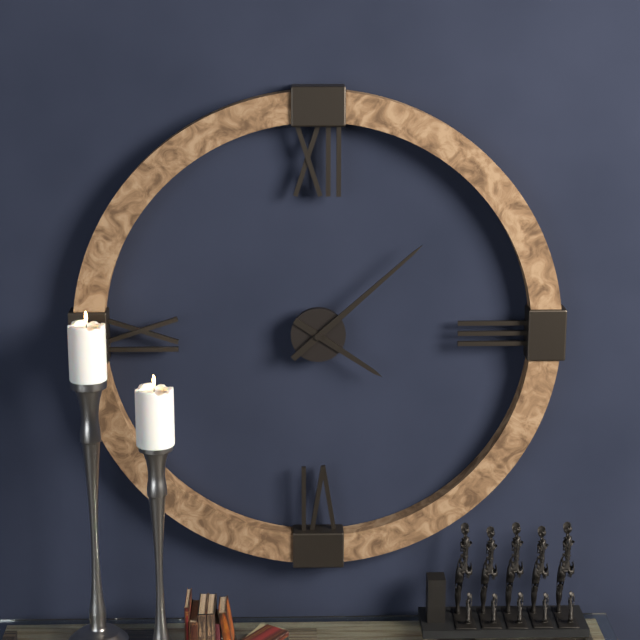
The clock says 4:08
